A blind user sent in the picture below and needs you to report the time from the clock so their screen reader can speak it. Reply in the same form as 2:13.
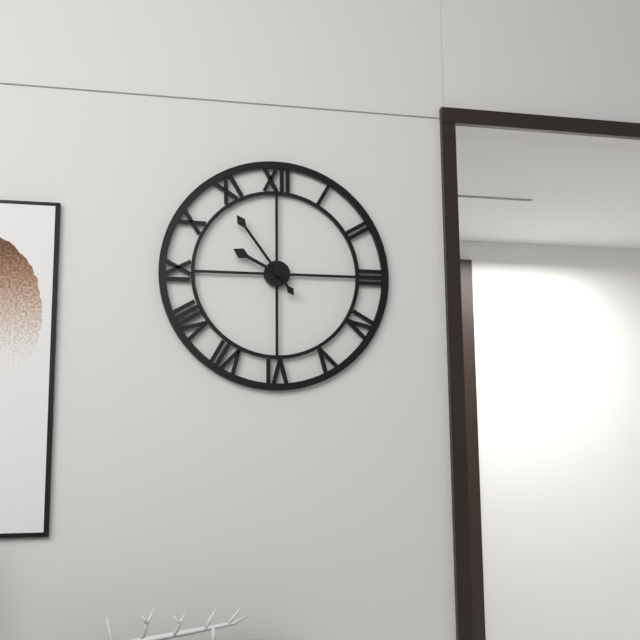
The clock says 9:54
